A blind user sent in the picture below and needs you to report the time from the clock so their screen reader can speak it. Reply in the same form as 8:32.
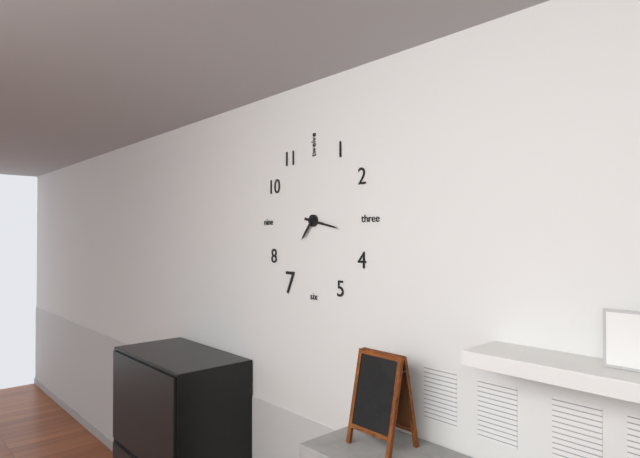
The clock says 7:17
